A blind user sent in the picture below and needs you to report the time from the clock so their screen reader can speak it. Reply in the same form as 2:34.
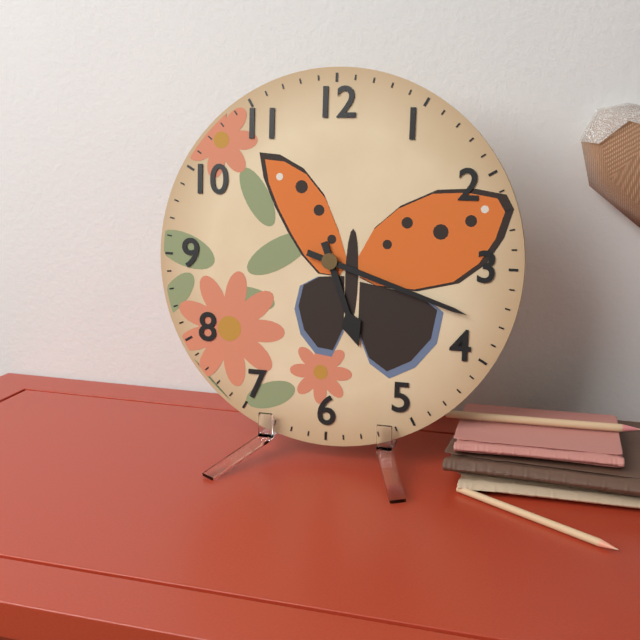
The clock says 5:18
